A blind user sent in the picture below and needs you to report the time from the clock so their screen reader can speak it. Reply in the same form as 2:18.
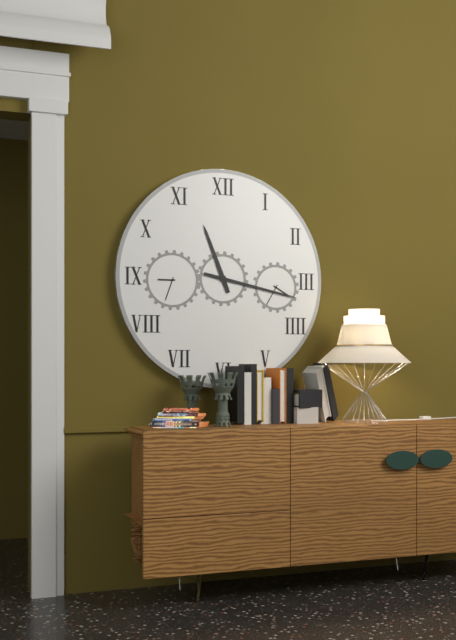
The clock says 11:17
